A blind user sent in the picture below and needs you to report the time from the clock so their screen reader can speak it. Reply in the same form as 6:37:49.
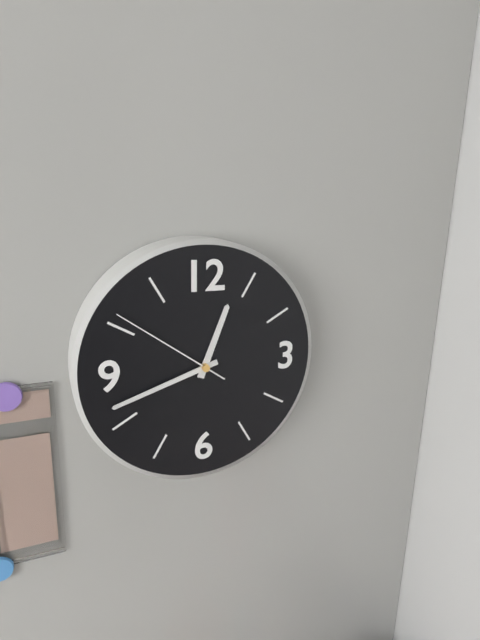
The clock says 12:42:51
